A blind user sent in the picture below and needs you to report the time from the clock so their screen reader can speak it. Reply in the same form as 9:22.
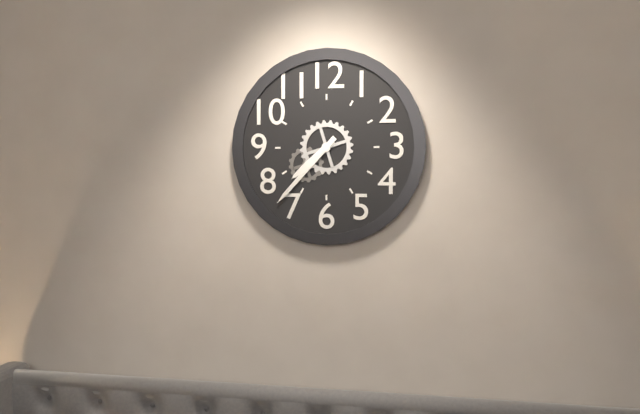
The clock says 7:37
